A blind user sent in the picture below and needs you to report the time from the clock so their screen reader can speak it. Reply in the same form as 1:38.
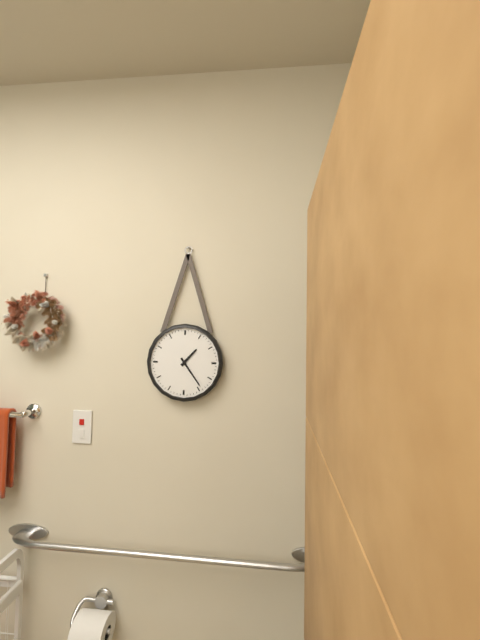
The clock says 1:24
